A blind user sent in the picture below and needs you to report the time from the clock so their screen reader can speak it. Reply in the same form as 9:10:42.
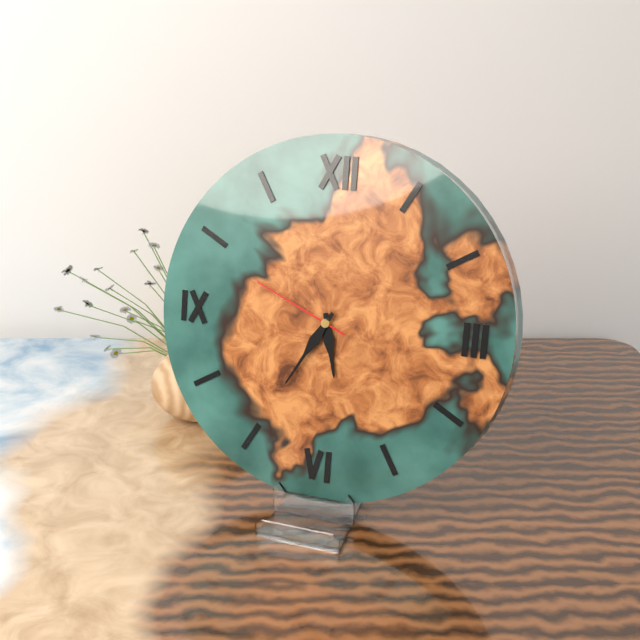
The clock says 5:35:49
